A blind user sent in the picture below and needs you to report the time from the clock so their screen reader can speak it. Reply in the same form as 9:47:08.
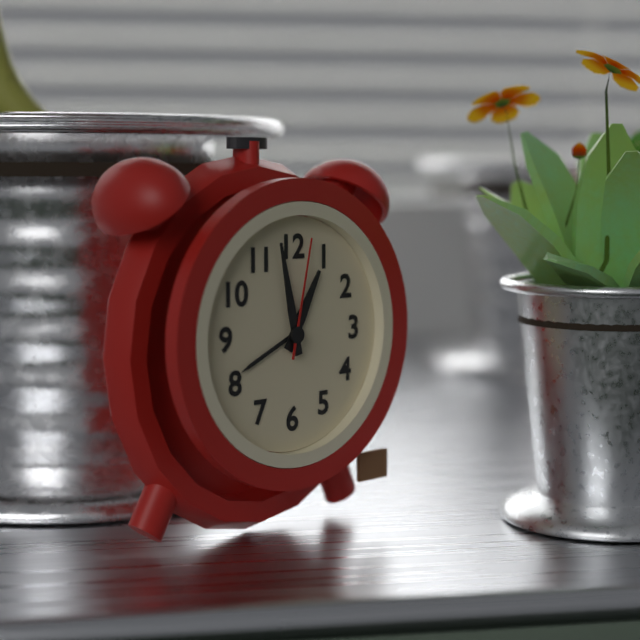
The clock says 12:58:02
